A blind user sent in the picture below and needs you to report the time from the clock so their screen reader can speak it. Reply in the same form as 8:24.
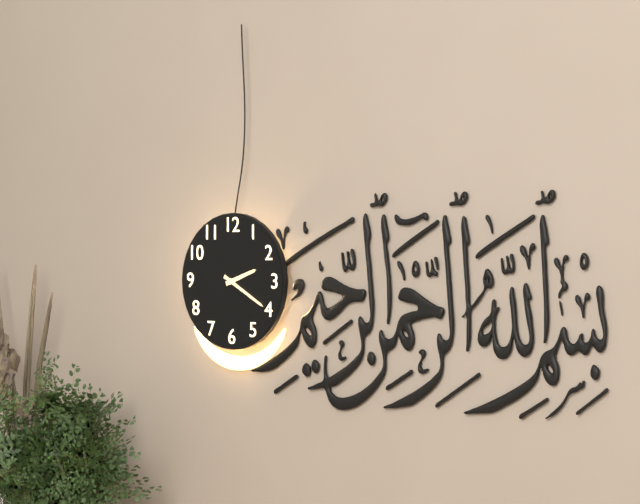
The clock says 2:20
